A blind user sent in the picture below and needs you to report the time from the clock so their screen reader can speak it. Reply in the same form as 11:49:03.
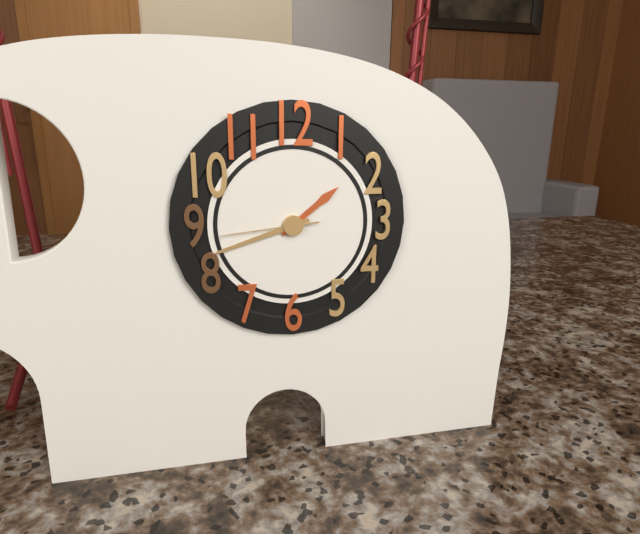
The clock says 1:42:44
